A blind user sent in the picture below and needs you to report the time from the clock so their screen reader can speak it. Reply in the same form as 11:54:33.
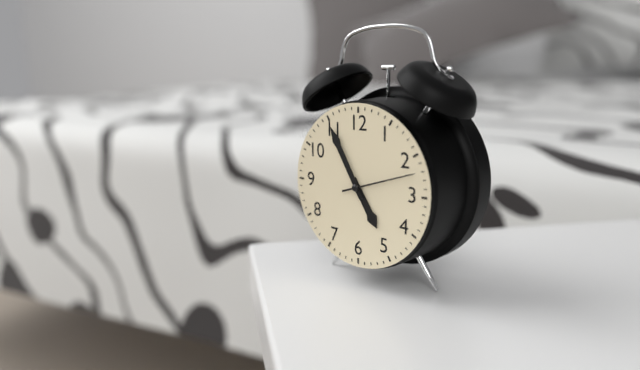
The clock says 4:55:12
